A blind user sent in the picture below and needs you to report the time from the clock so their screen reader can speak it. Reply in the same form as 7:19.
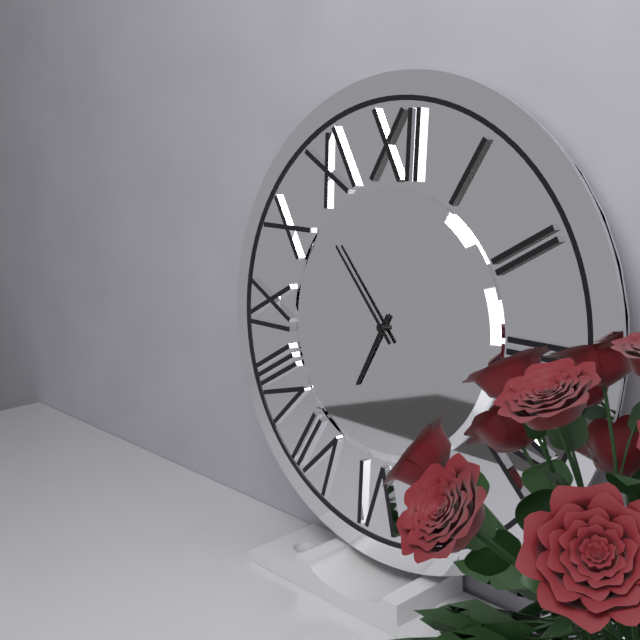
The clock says 6:53
